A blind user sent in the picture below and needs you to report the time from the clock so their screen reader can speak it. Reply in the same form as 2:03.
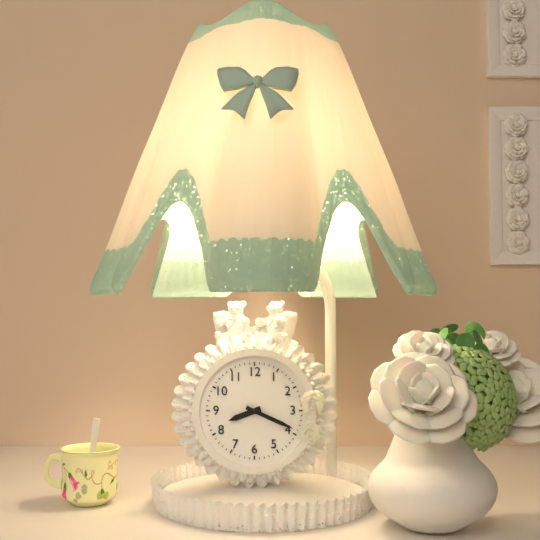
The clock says 8:19
